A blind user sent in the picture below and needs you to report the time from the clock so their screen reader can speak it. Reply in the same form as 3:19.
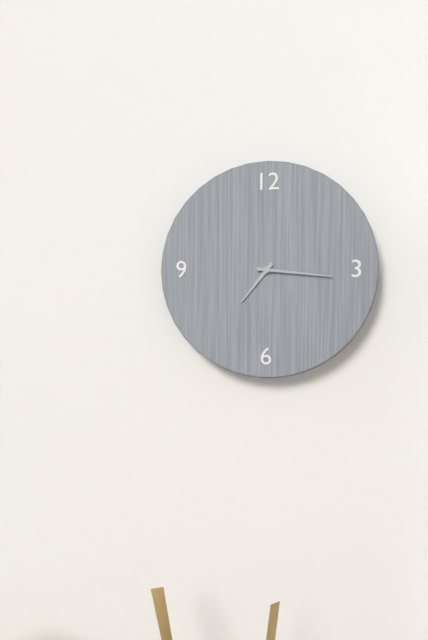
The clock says 7:16
